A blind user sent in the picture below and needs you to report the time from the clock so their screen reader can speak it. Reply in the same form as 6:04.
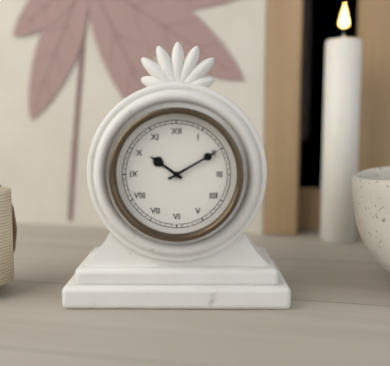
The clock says 10:10
